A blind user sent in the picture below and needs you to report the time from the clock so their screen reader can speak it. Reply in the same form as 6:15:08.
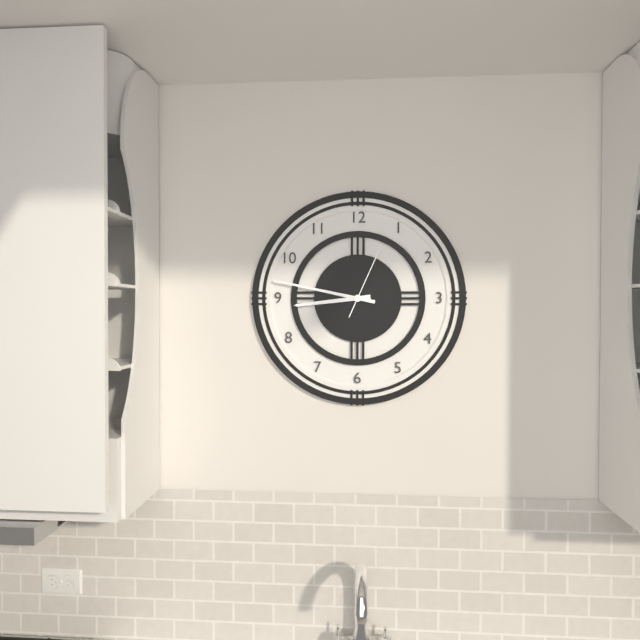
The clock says 8:47:04
